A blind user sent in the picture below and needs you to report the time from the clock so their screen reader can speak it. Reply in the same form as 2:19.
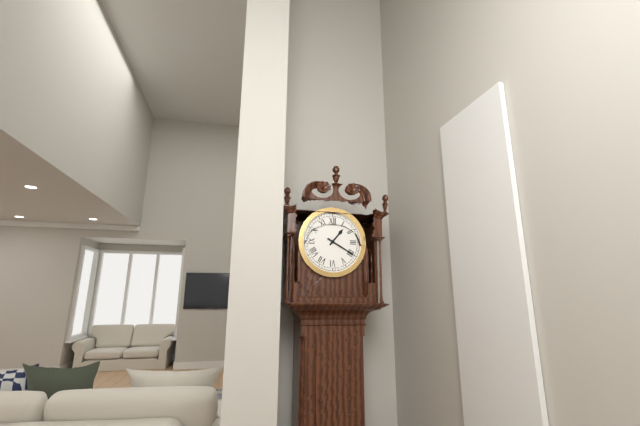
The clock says 1:20
